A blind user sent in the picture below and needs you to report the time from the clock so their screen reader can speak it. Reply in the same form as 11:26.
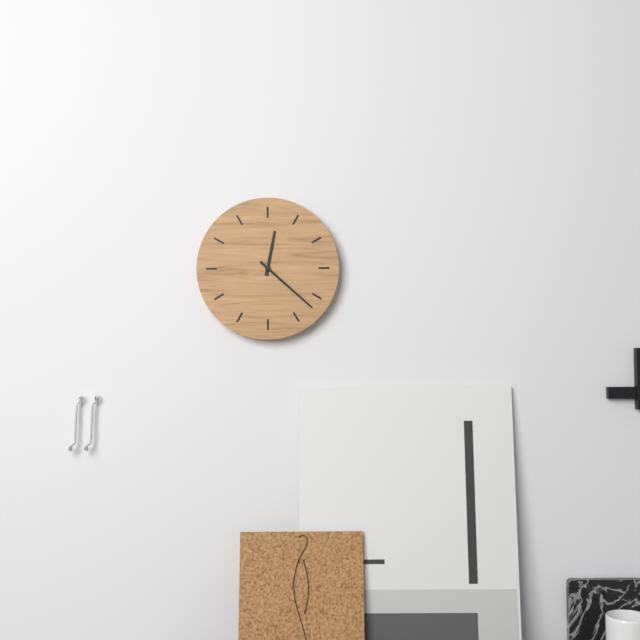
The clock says 12:22
